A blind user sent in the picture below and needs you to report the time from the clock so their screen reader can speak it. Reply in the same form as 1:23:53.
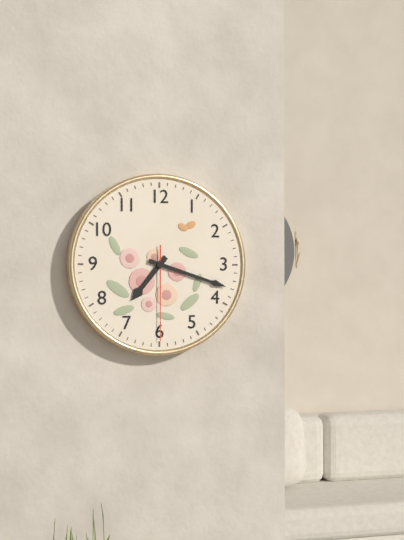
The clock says 7:18:30
